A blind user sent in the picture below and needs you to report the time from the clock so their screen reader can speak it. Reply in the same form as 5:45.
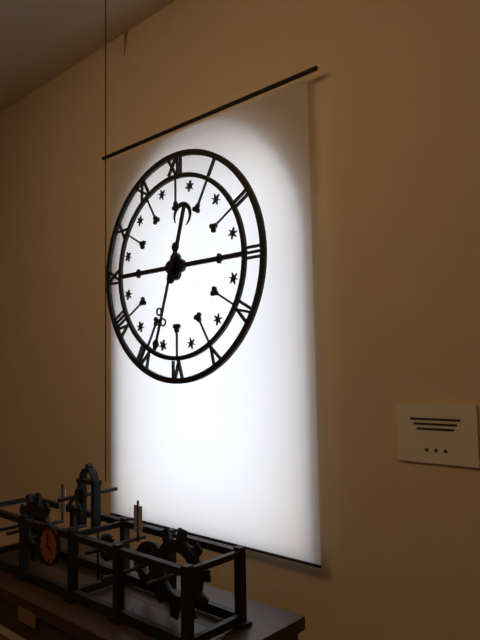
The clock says 12:33
